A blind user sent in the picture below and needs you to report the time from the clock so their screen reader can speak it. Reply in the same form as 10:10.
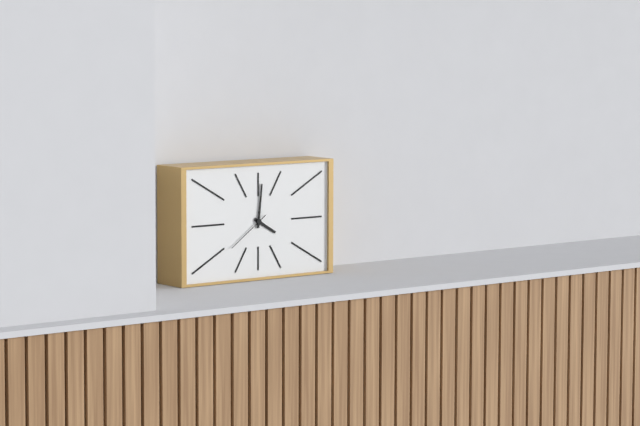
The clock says 4:01
